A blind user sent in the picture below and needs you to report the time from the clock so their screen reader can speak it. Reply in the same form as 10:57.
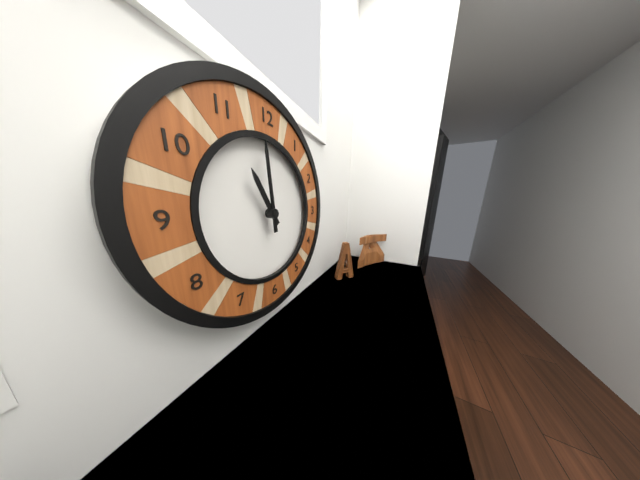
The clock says 10:59
